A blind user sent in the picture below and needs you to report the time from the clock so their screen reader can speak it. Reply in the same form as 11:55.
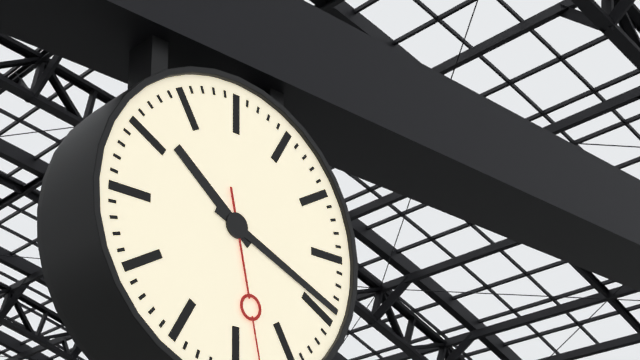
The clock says 10:19
